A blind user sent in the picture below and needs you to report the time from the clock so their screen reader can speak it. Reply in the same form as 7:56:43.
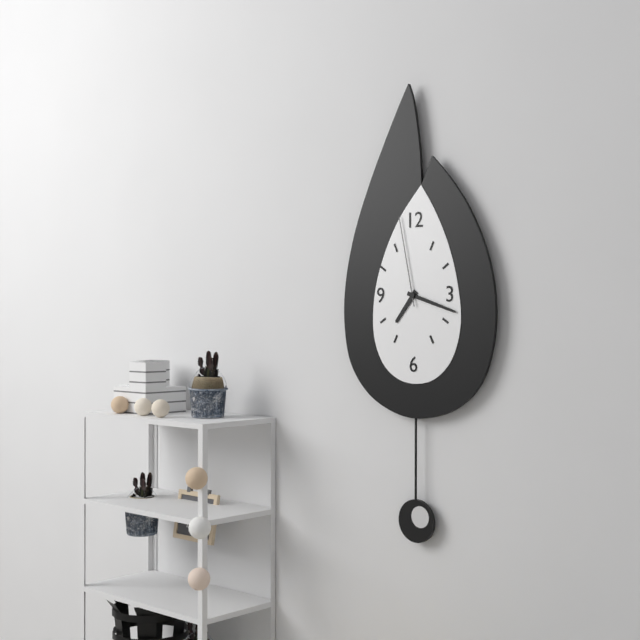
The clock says 7:18:58
